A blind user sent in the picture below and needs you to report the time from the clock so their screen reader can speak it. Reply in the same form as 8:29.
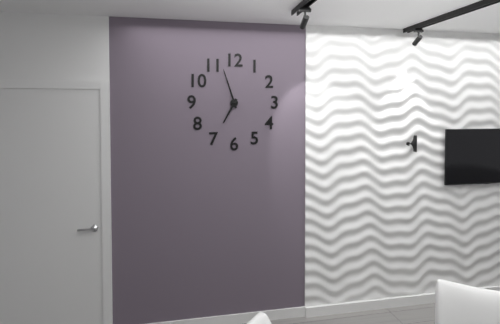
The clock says 6:57
